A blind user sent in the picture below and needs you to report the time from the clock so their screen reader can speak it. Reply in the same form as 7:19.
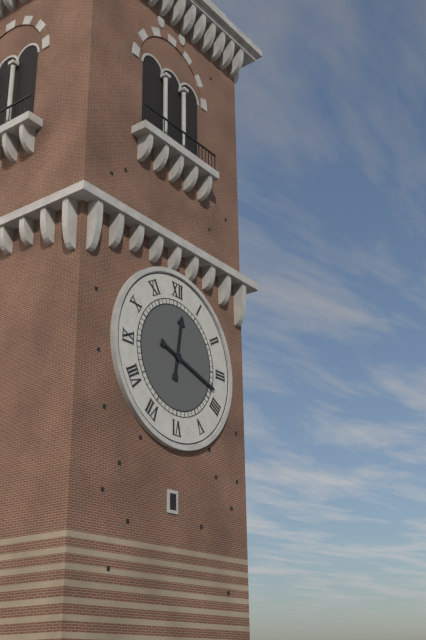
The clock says 12:18
